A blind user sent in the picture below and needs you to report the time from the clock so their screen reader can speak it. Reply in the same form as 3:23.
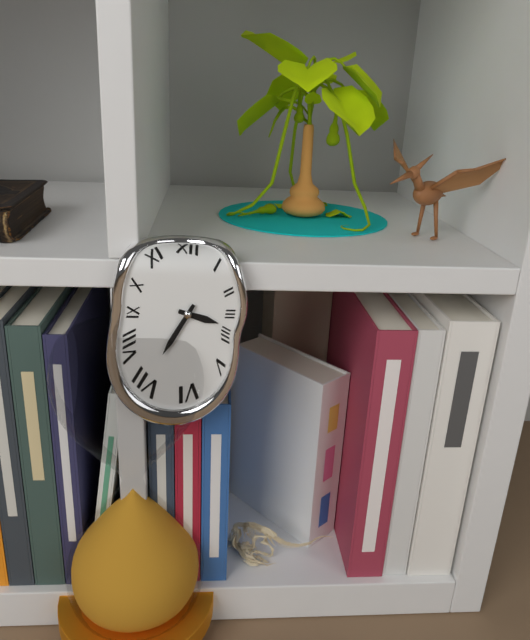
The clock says 3:35
